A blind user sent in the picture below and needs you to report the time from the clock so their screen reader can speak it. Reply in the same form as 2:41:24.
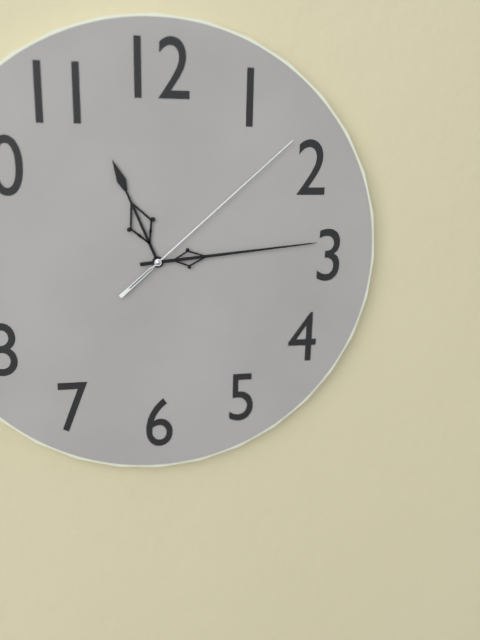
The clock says 11:14:08
